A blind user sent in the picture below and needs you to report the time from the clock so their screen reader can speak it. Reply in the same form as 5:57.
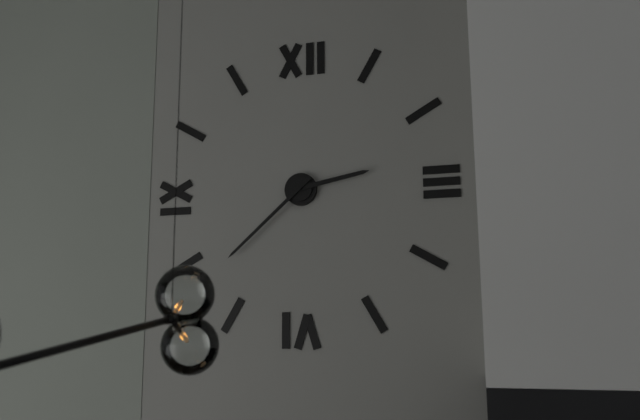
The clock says 2:38
